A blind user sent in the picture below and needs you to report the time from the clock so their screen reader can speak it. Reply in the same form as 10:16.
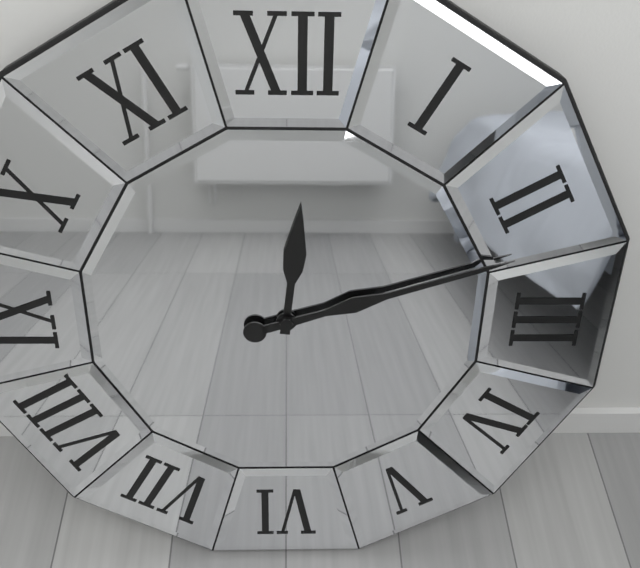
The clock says 12:12
